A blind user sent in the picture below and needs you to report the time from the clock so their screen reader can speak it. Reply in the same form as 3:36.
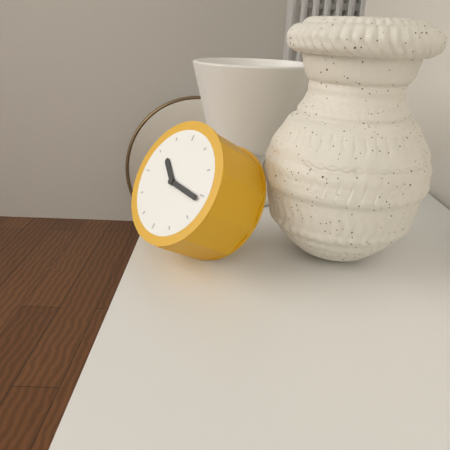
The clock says 10:16
